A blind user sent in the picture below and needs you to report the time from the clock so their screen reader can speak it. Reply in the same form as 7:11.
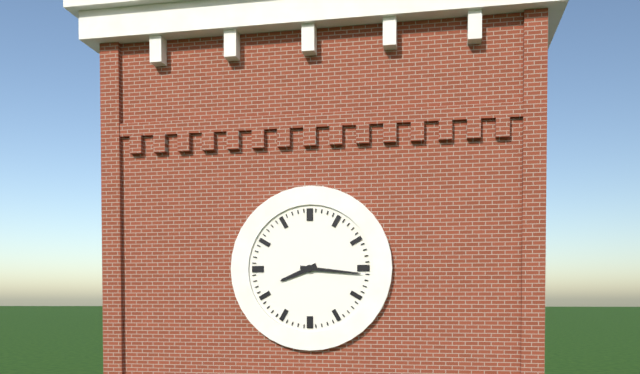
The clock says 8:16
